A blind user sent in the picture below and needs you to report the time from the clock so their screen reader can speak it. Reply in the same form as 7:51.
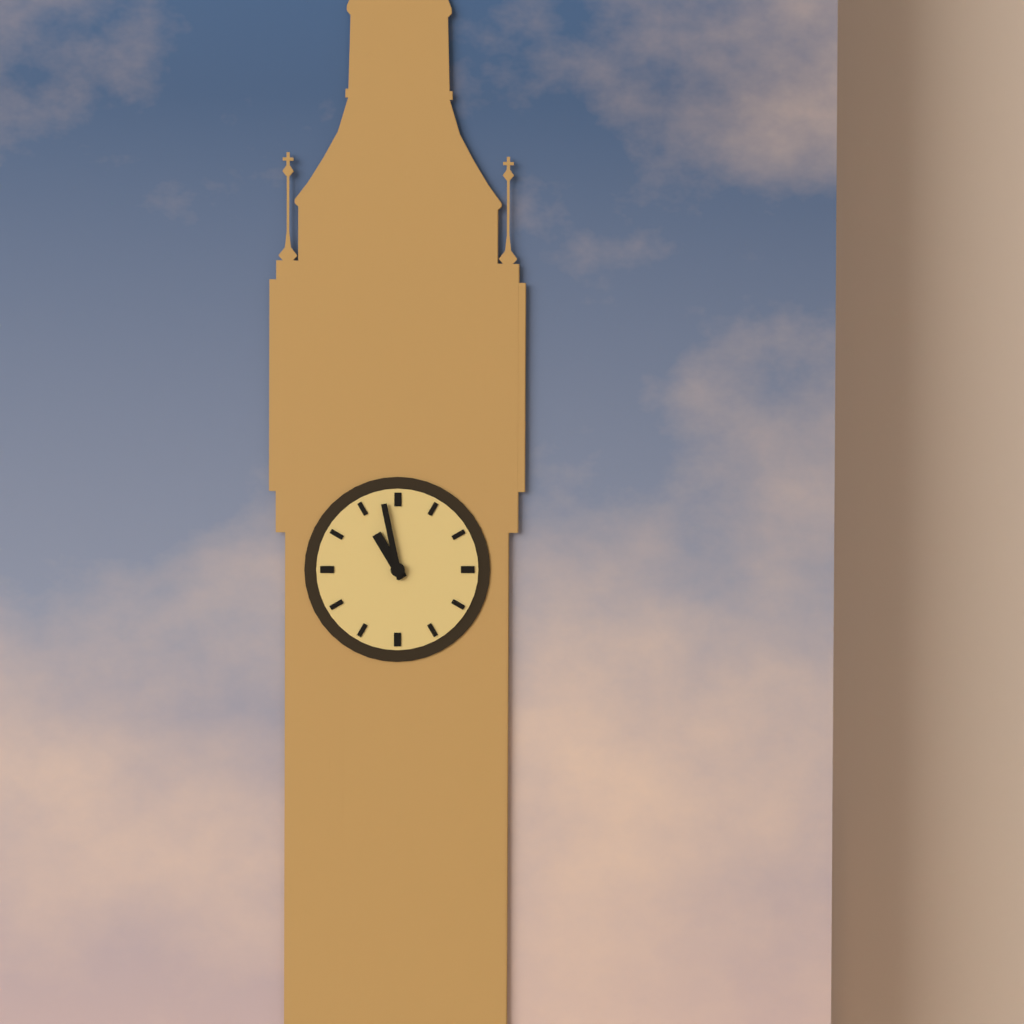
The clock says 10:58
